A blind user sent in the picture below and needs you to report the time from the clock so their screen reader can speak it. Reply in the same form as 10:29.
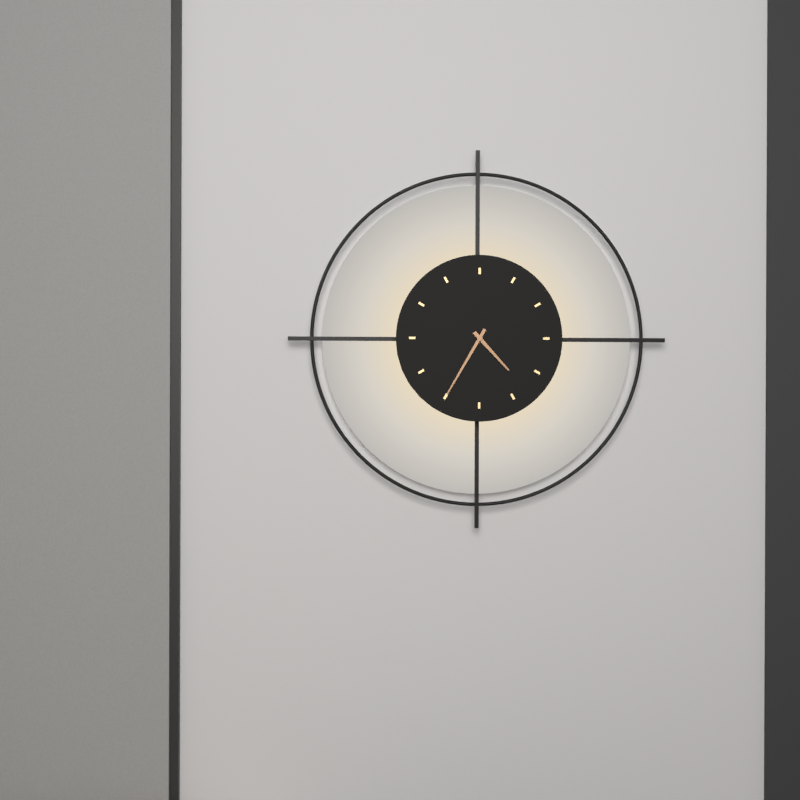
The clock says 4:35
